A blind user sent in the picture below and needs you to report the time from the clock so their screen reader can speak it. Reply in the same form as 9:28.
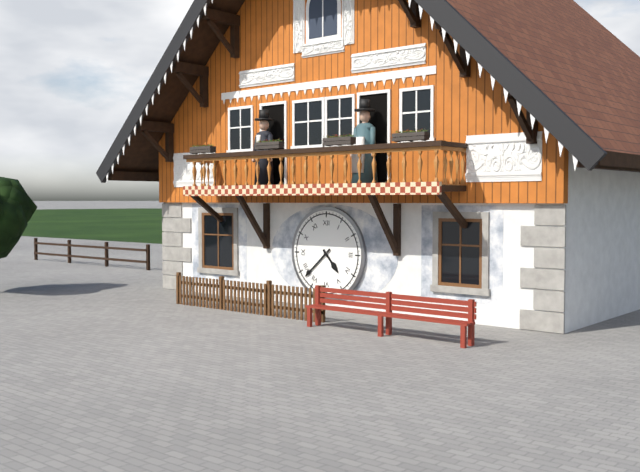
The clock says 4:38
